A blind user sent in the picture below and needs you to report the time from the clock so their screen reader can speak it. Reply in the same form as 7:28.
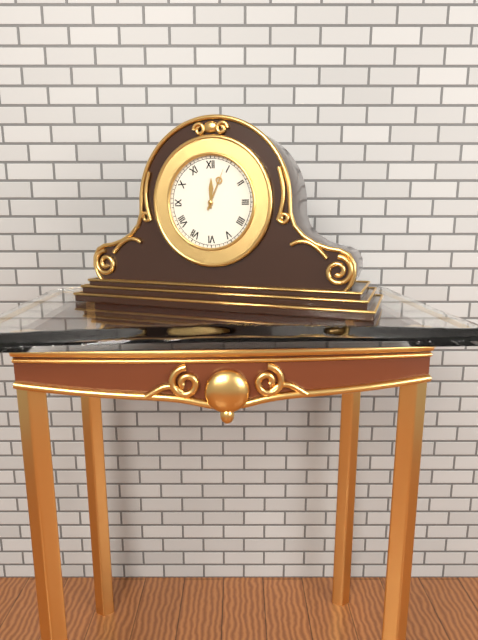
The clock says 12:04
